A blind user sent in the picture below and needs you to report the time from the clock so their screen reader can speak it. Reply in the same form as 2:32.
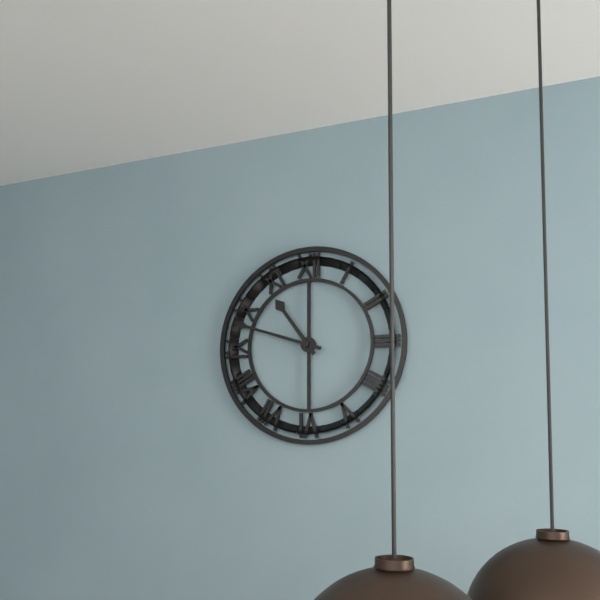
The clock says 10:48
